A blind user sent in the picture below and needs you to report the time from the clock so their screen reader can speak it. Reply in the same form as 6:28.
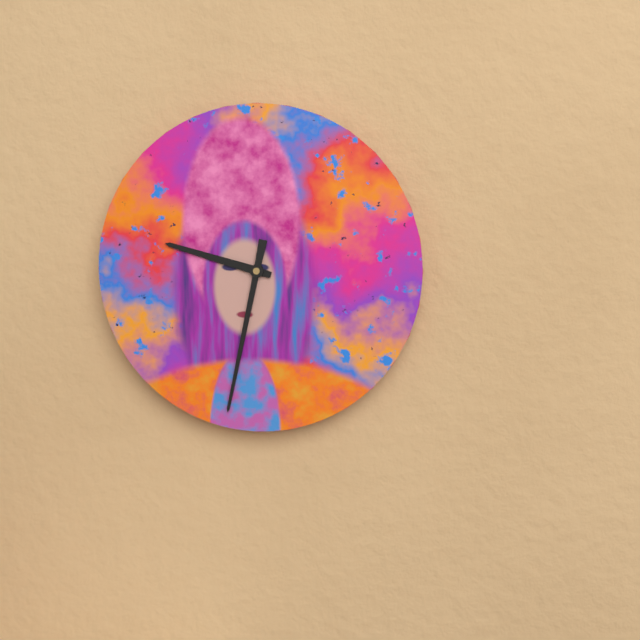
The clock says 9:32
